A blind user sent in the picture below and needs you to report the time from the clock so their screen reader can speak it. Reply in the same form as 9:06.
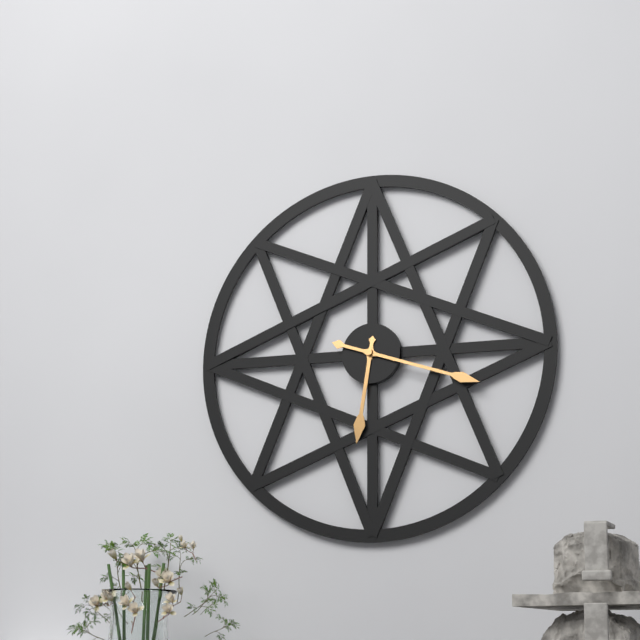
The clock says 6:18
